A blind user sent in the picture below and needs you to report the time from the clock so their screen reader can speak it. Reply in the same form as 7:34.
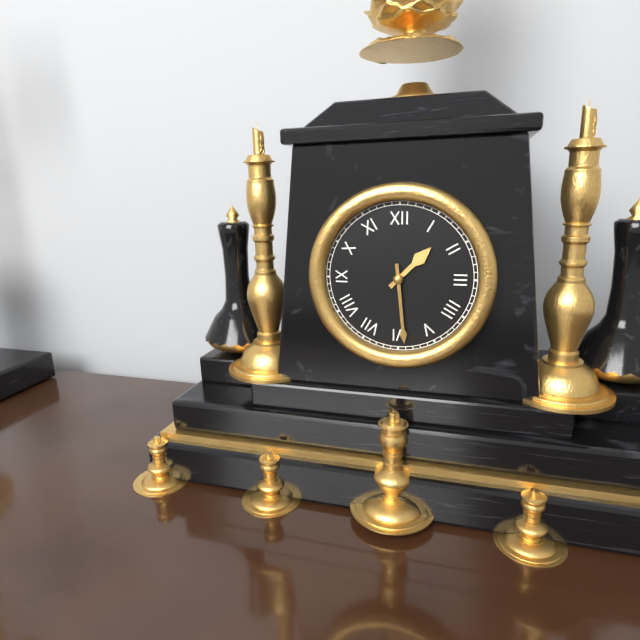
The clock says 1:29
